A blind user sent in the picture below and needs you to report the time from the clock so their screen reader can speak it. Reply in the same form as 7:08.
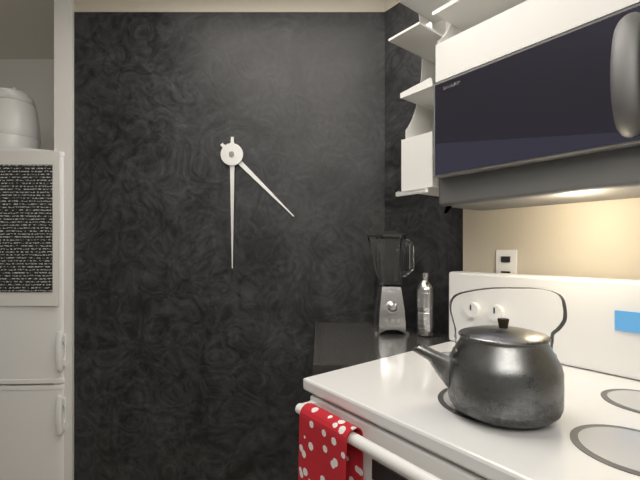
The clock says 4:30
